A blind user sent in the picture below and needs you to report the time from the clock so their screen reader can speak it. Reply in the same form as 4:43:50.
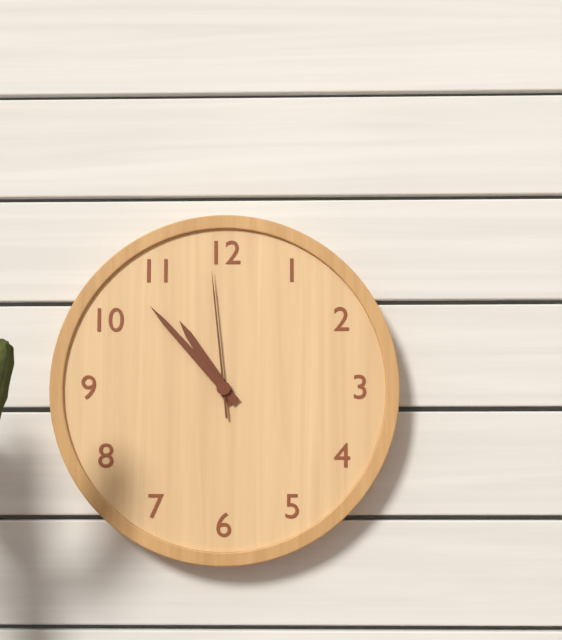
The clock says 10:53:59
